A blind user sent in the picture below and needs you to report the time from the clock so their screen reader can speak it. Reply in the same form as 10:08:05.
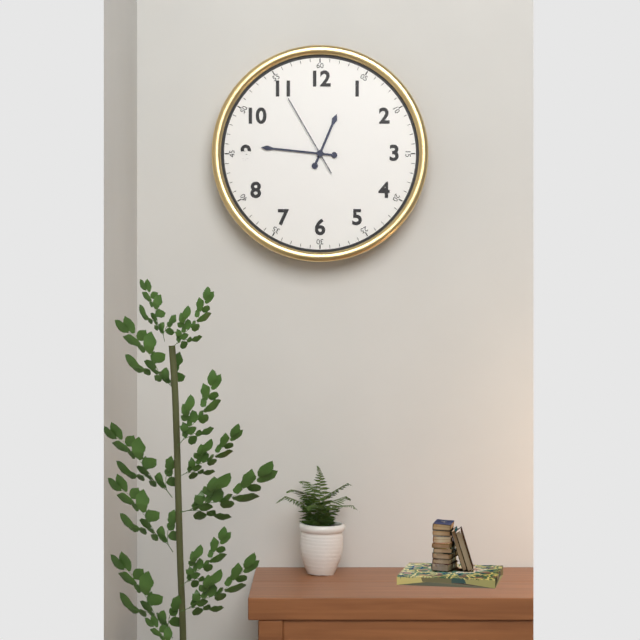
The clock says 12:46:55
